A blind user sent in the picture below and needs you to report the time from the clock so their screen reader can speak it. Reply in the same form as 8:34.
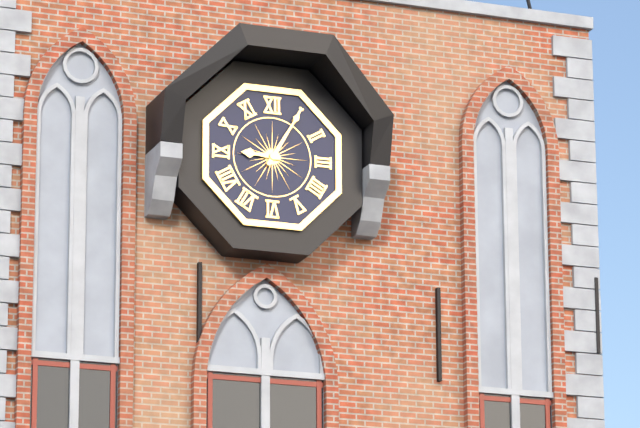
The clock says 9:05
